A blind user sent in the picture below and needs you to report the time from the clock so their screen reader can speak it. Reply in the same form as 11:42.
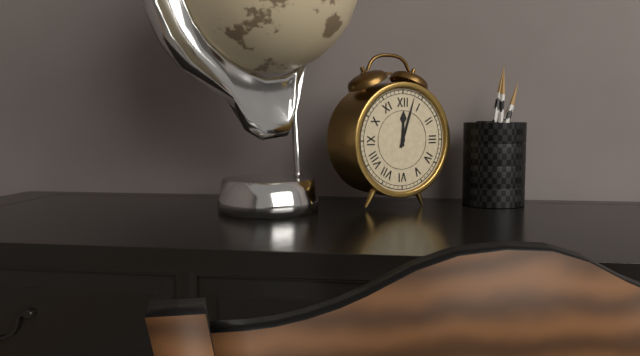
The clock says 12:03
